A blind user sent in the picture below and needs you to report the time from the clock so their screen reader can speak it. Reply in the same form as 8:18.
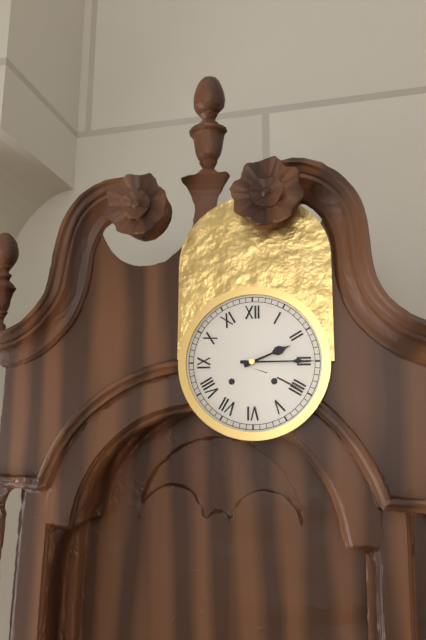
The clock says 2:15
